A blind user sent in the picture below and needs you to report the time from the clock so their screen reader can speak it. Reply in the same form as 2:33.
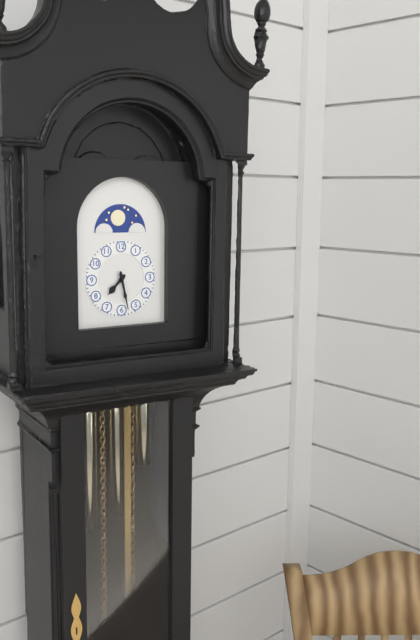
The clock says 7:28
